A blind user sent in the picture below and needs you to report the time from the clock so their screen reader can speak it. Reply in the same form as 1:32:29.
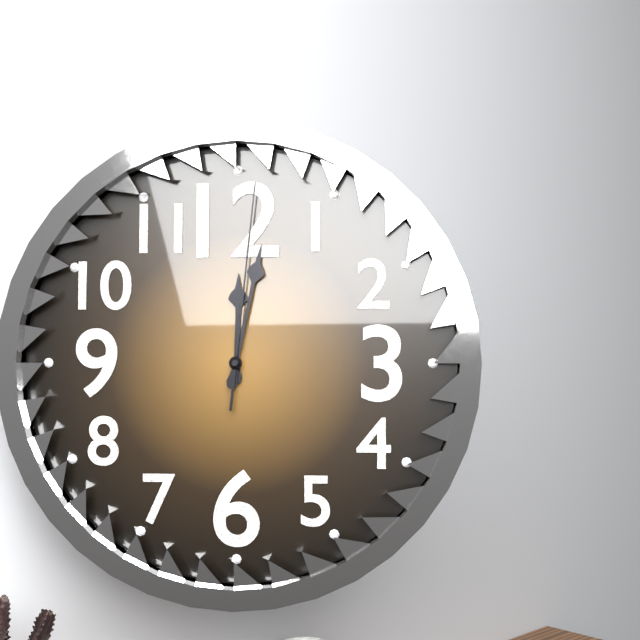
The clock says 12:02:01
